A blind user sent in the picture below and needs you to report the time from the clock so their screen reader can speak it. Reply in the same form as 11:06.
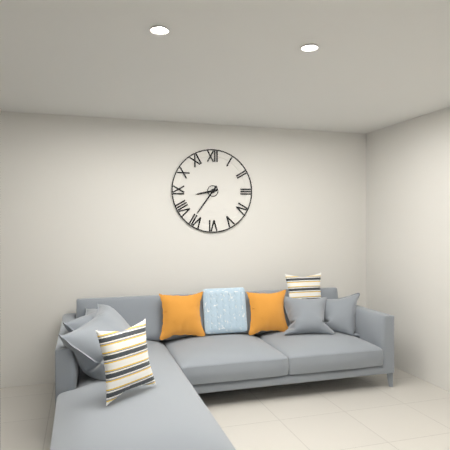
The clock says 8:36
